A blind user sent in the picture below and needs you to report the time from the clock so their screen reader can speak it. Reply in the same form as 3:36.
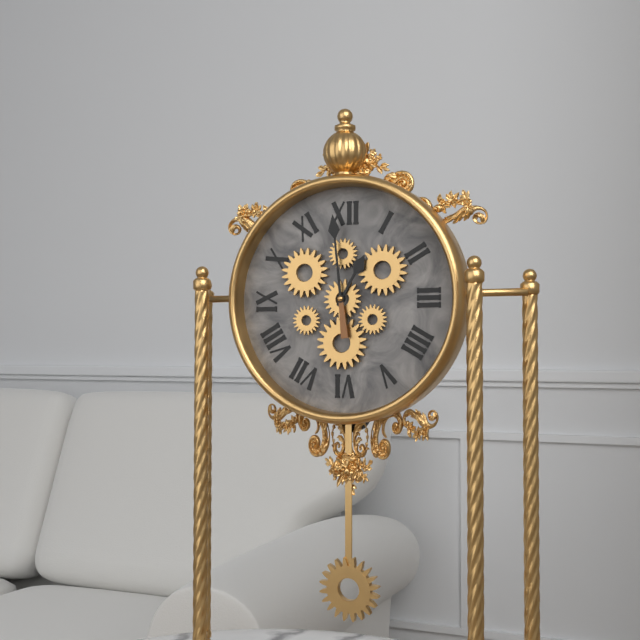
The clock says 12:59
